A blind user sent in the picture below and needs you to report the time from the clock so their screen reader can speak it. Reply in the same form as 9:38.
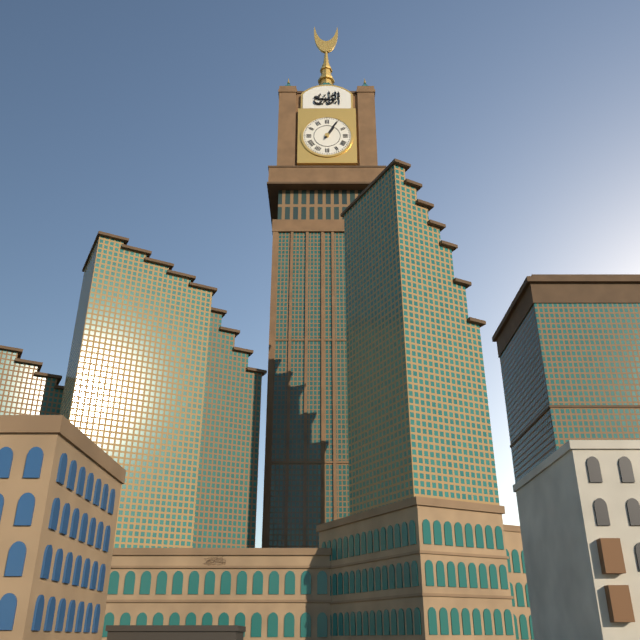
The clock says 1:05
